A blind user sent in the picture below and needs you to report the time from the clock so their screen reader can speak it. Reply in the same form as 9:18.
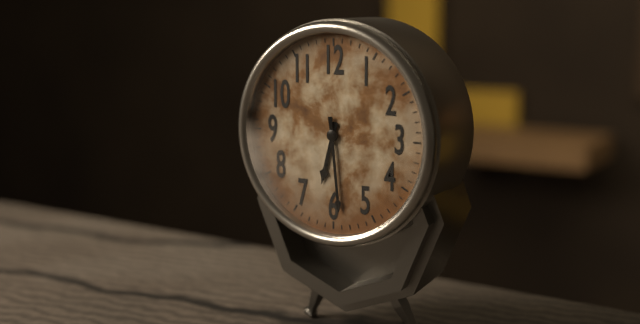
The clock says 6:29
